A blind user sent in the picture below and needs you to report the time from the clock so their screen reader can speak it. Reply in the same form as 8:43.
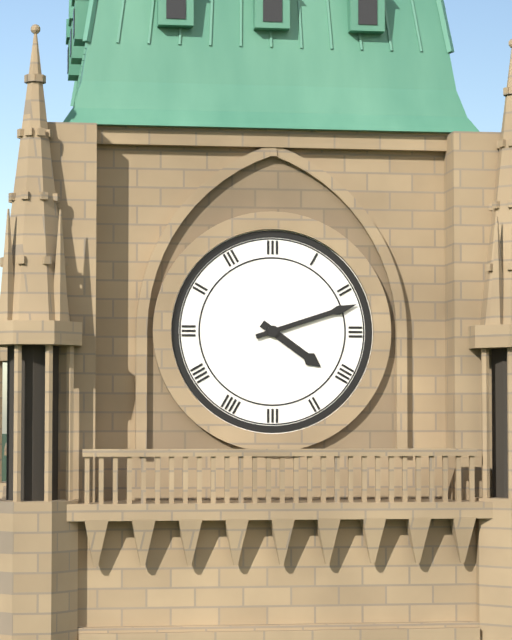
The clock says 4:12
